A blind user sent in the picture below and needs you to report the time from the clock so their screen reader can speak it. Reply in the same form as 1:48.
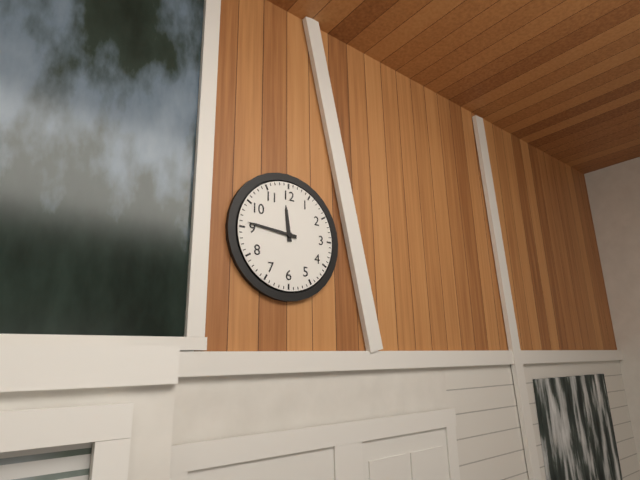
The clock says 11:46
